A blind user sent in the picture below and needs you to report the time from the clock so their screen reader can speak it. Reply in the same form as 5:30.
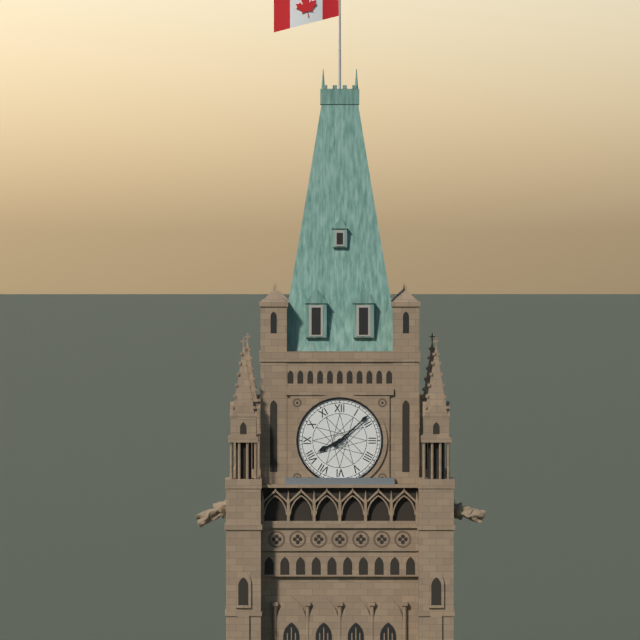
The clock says 8:08
